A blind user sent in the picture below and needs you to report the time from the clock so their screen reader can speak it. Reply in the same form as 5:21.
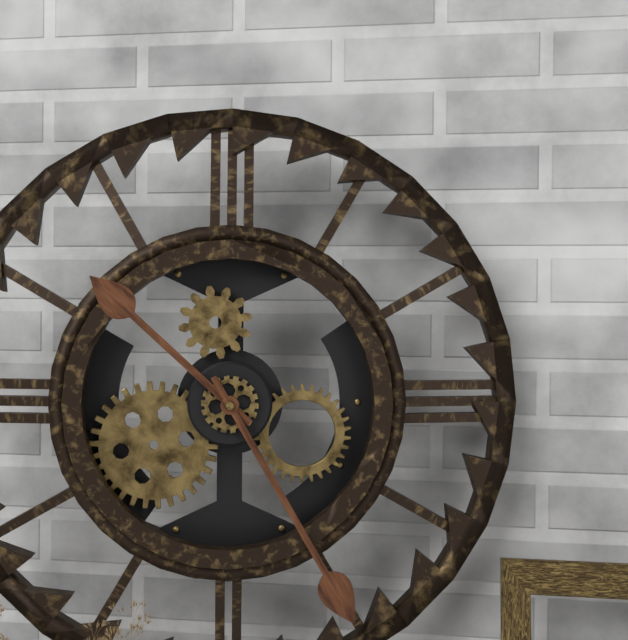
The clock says 10:25
